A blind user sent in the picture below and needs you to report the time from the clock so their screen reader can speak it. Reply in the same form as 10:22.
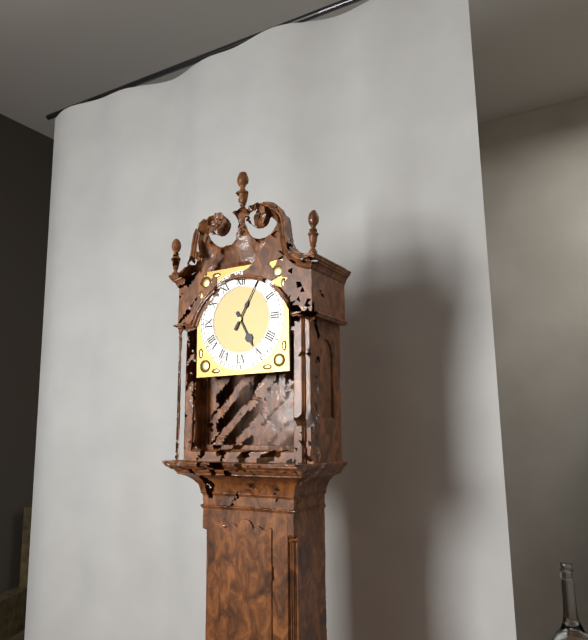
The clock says 5:05
